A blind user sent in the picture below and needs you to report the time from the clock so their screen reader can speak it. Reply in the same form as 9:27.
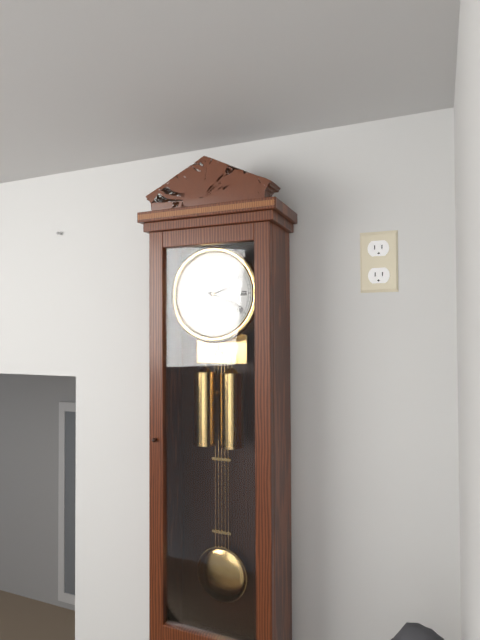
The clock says 2:19
